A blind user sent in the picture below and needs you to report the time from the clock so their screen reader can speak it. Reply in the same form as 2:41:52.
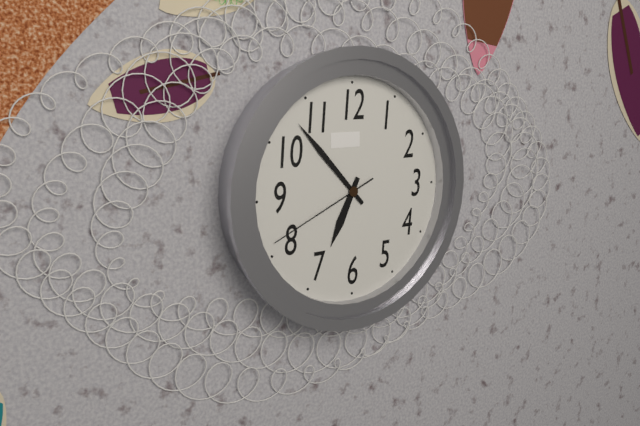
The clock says 6:53:41
